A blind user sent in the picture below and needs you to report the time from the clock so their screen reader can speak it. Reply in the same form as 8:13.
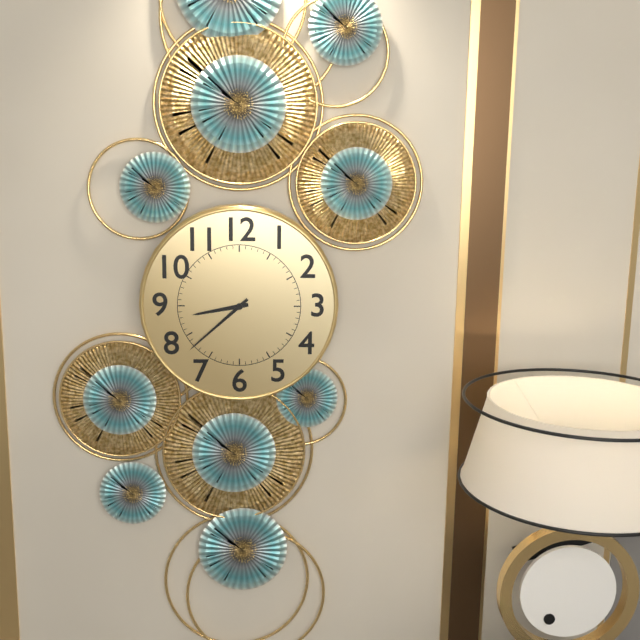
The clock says 8:38
